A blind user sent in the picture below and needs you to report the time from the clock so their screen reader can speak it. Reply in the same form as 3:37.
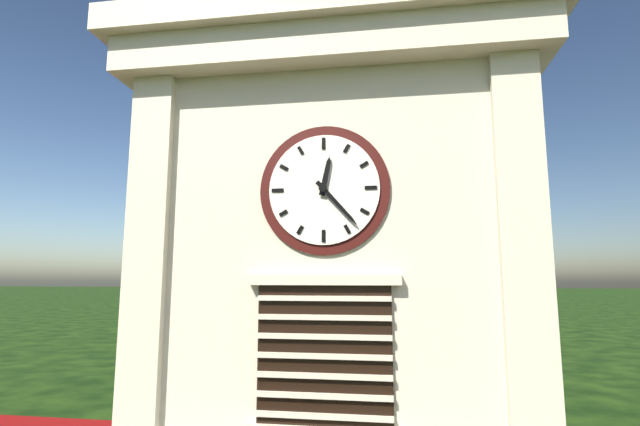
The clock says 12:23
